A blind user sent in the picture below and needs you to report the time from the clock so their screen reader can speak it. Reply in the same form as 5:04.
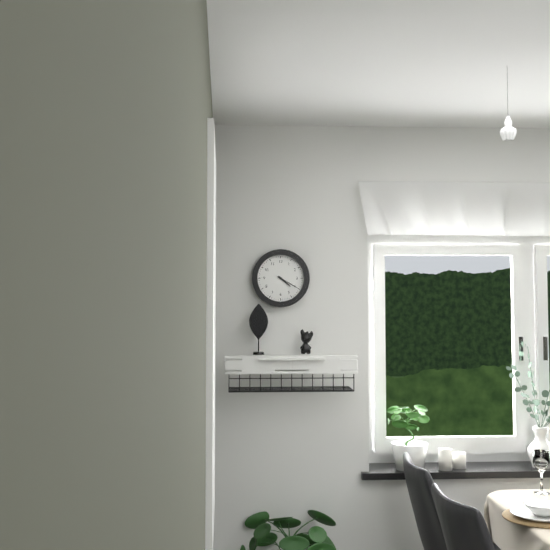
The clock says 4:20
